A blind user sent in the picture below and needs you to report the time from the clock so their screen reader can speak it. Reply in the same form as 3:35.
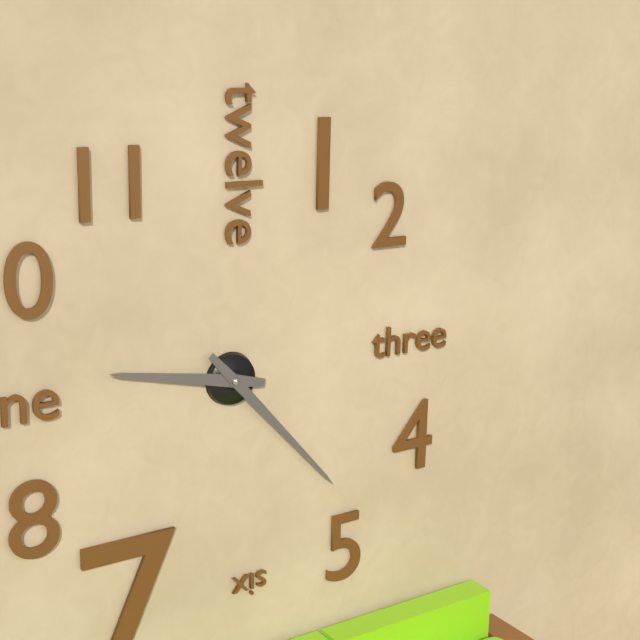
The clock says 9:23
